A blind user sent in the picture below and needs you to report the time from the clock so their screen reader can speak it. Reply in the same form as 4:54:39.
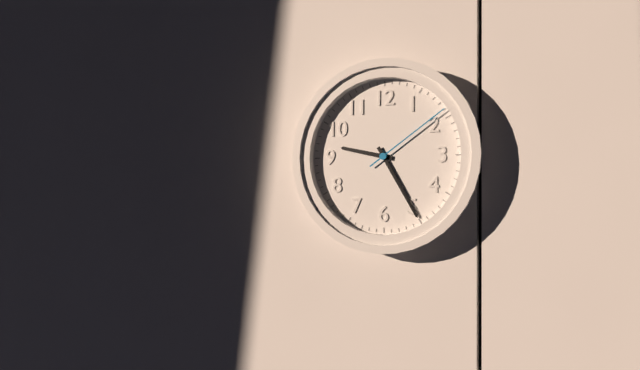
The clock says 9:25:09
